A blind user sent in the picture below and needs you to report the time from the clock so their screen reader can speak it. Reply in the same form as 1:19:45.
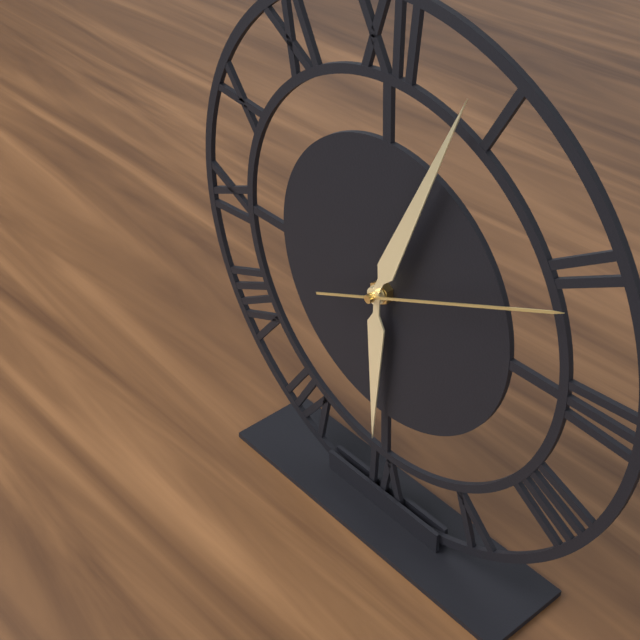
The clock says 6:04:11
